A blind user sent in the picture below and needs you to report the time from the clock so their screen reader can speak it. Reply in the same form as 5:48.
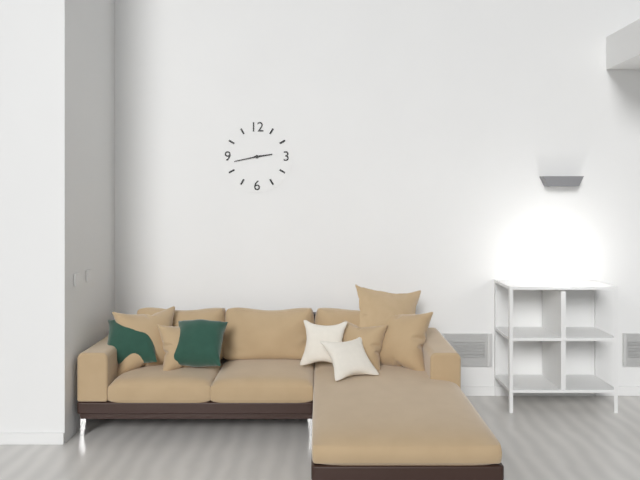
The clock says 2:43
